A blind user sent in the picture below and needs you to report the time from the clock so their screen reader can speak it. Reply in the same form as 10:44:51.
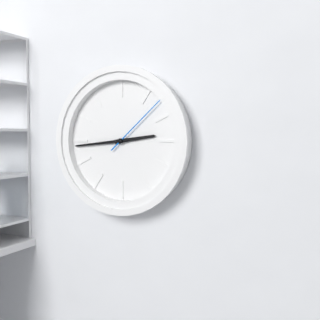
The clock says 2:44:08
